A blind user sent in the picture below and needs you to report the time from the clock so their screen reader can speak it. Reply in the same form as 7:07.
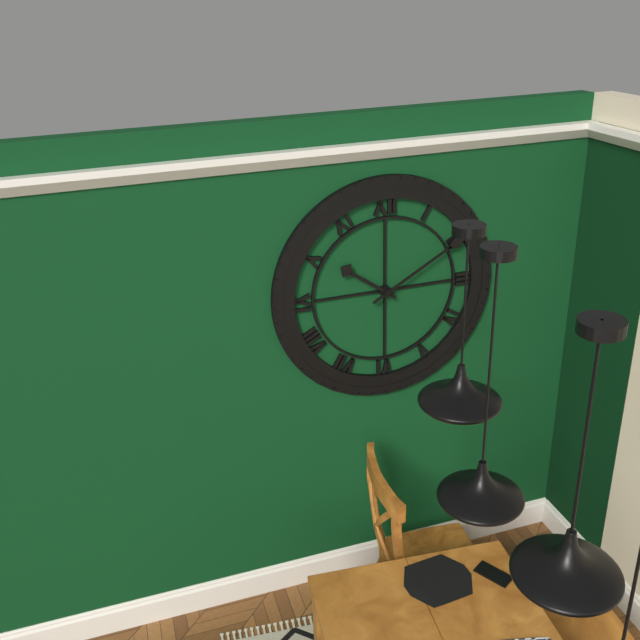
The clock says 10:10
